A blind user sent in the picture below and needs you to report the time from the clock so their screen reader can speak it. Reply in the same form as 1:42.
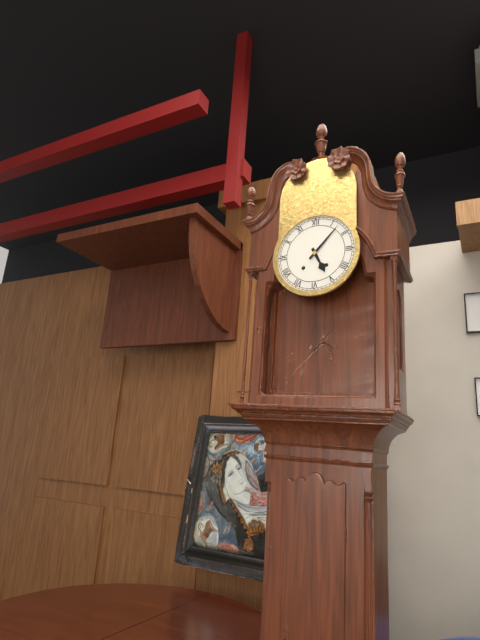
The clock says 5:07
